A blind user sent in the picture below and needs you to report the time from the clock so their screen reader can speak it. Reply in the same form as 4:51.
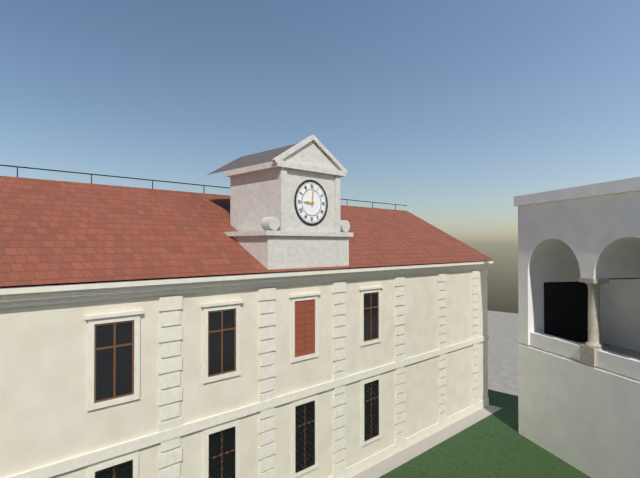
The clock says 9:01
